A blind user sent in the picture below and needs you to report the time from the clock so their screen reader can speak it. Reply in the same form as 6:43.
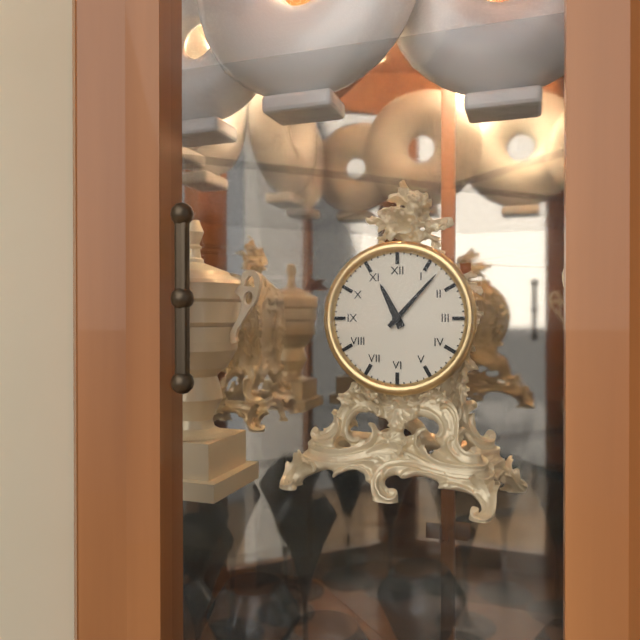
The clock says 11:07
